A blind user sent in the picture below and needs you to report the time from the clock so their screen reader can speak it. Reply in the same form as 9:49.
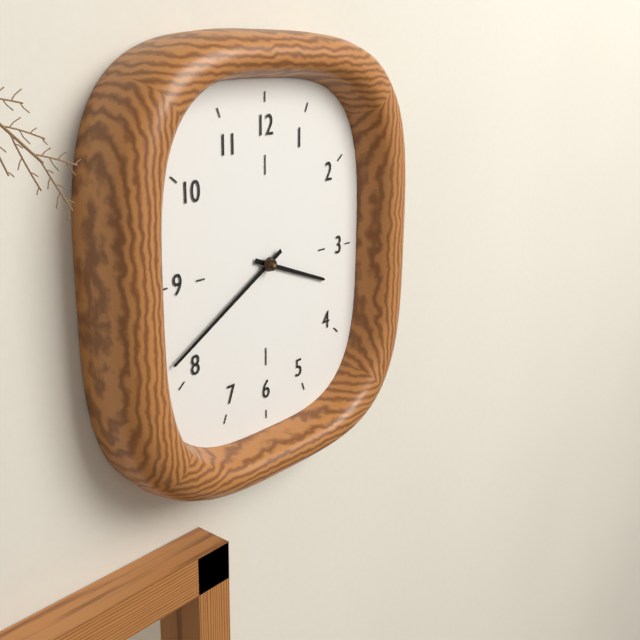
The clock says 3:40
